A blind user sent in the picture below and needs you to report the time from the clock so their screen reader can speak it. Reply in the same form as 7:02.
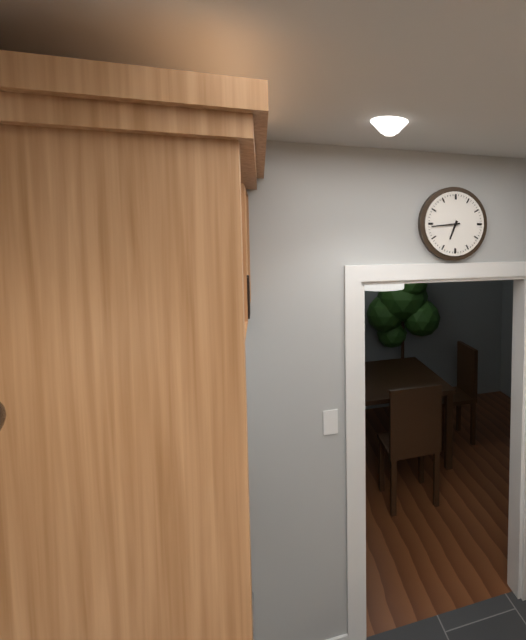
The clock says 6:44
